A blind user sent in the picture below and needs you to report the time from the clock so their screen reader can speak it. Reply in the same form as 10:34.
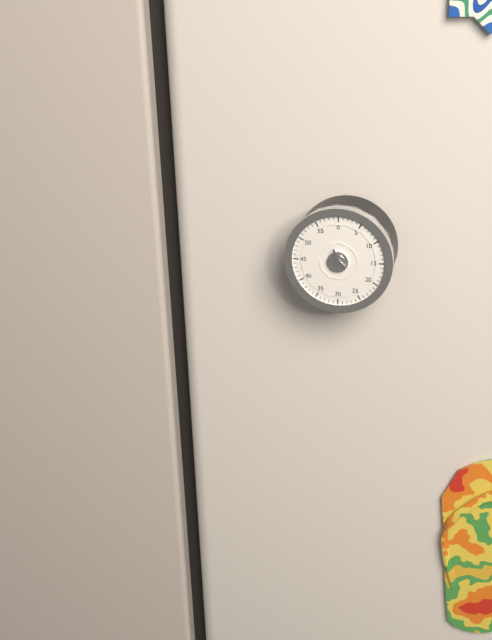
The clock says 3:58
